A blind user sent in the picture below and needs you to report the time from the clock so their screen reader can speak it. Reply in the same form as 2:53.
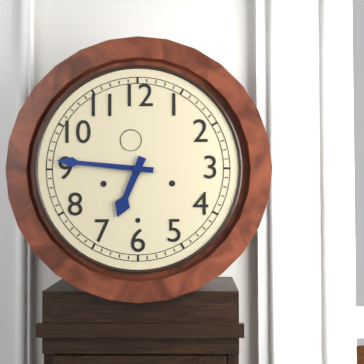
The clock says 6:46
